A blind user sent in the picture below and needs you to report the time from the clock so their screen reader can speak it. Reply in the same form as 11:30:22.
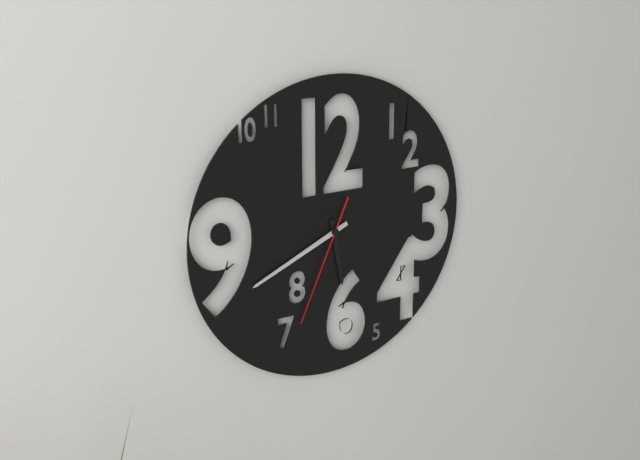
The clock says 5:41:34
